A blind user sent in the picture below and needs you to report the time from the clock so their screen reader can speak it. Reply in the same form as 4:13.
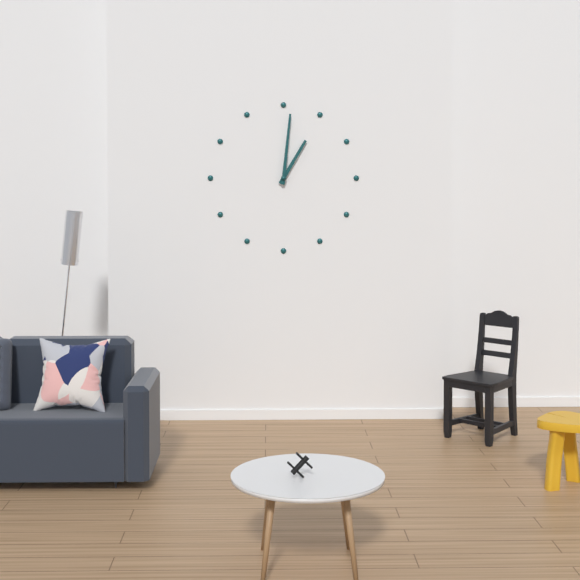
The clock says 1:01
